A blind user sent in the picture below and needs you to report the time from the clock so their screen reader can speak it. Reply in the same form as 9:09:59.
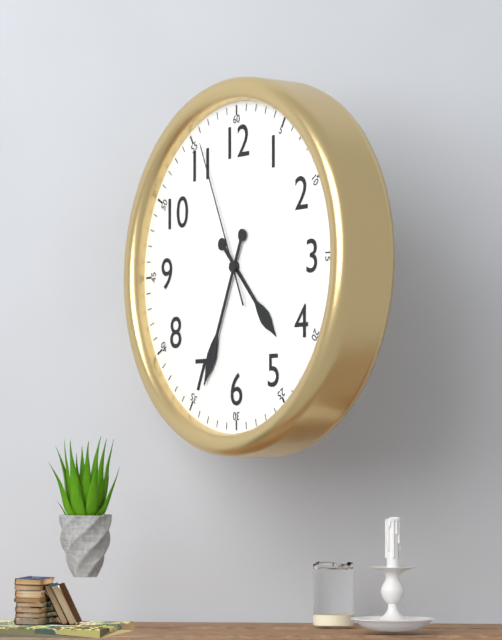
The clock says 4:34:56
